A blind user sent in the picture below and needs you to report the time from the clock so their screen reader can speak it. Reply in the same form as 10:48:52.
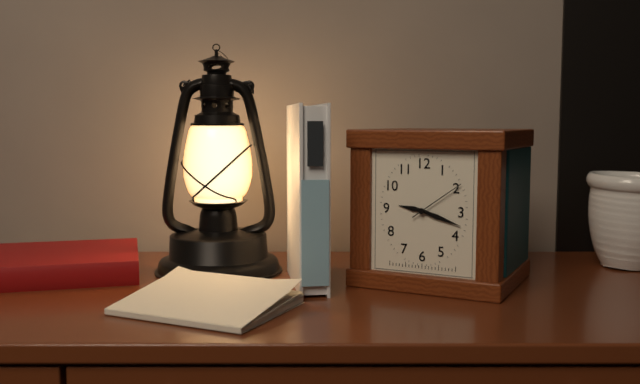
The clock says 9:18:09
